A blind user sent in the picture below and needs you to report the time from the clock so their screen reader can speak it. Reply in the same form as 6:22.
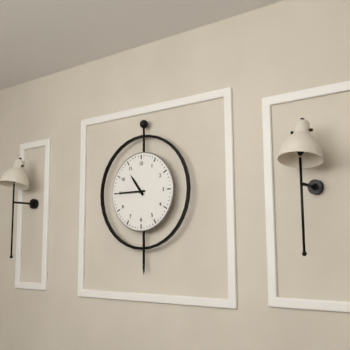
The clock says 10:45
